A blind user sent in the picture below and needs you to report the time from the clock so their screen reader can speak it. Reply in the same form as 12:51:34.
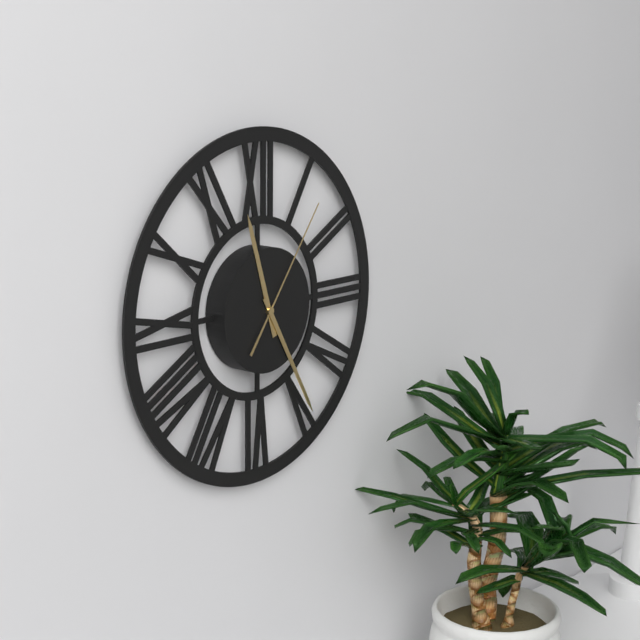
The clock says 11:25:06
